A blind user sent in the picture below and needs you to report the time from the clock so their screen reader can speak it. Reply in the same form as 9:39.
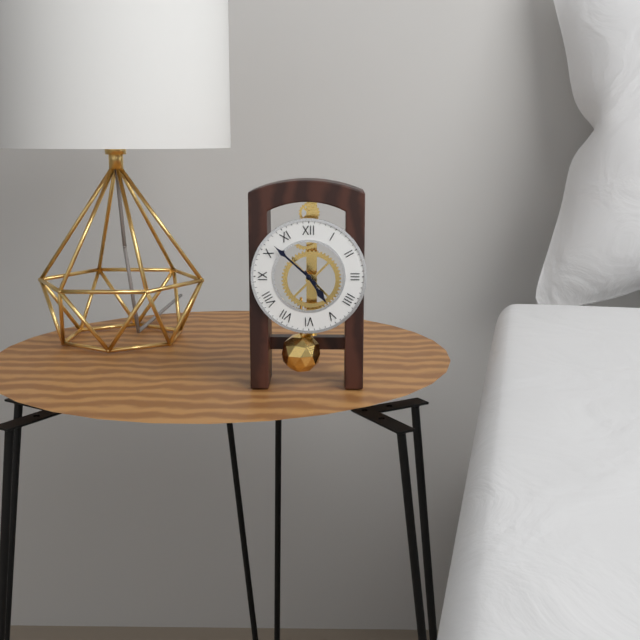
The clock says 4:52
